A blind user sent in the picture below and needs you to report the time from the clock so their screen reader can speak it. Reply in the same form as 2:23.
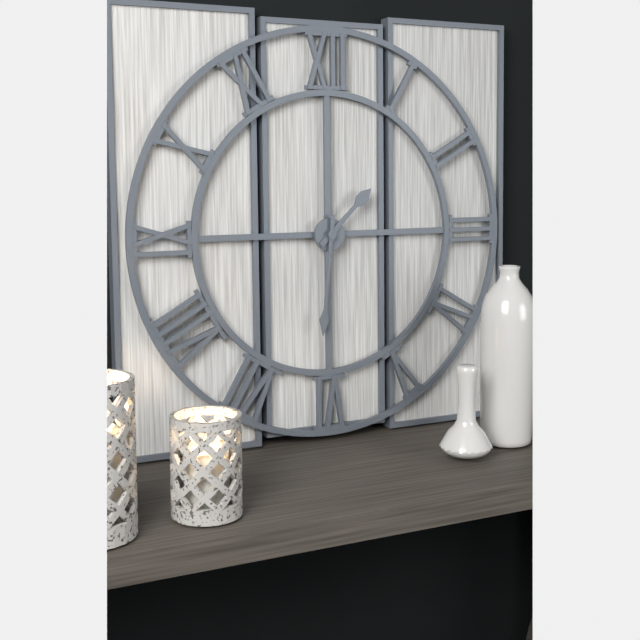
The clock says 1:31
